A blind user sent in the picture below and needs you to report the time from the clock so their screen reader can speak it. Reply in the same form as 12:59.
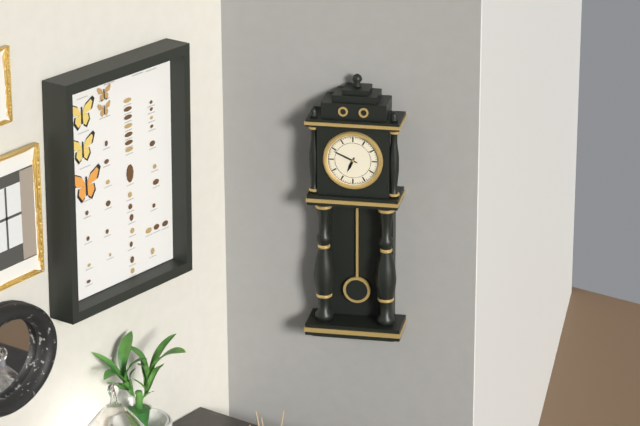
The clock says 6:49
